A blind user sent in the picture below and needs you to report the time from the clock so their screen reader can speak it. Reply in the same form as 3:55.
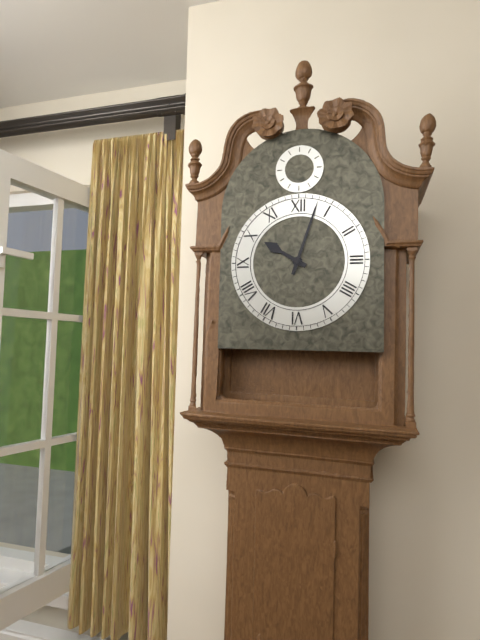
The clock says 10:03
